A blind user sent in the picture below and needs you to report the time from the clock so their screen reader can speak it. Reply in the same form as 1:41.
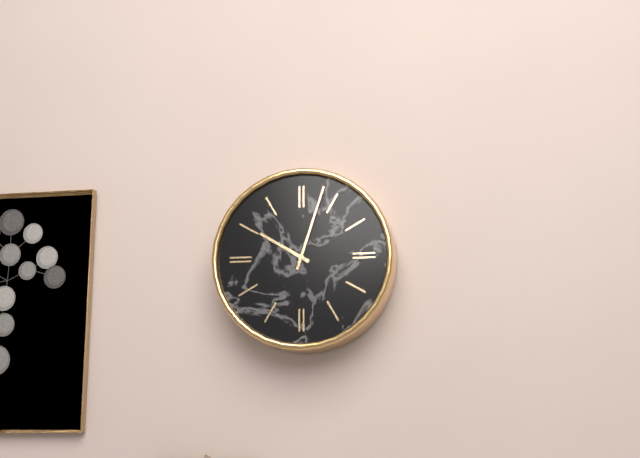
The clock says 10:03
